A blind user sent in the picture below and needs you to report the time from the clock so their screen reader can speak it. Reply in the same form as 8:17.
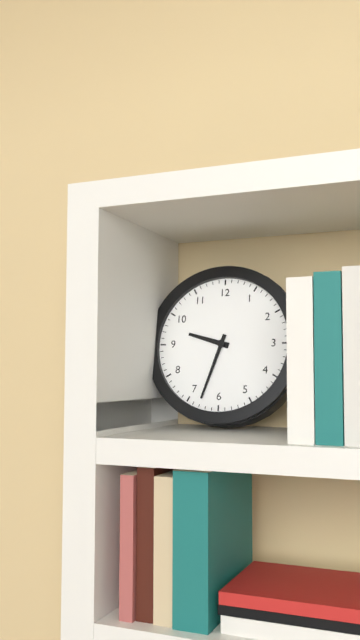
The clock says 9:33
